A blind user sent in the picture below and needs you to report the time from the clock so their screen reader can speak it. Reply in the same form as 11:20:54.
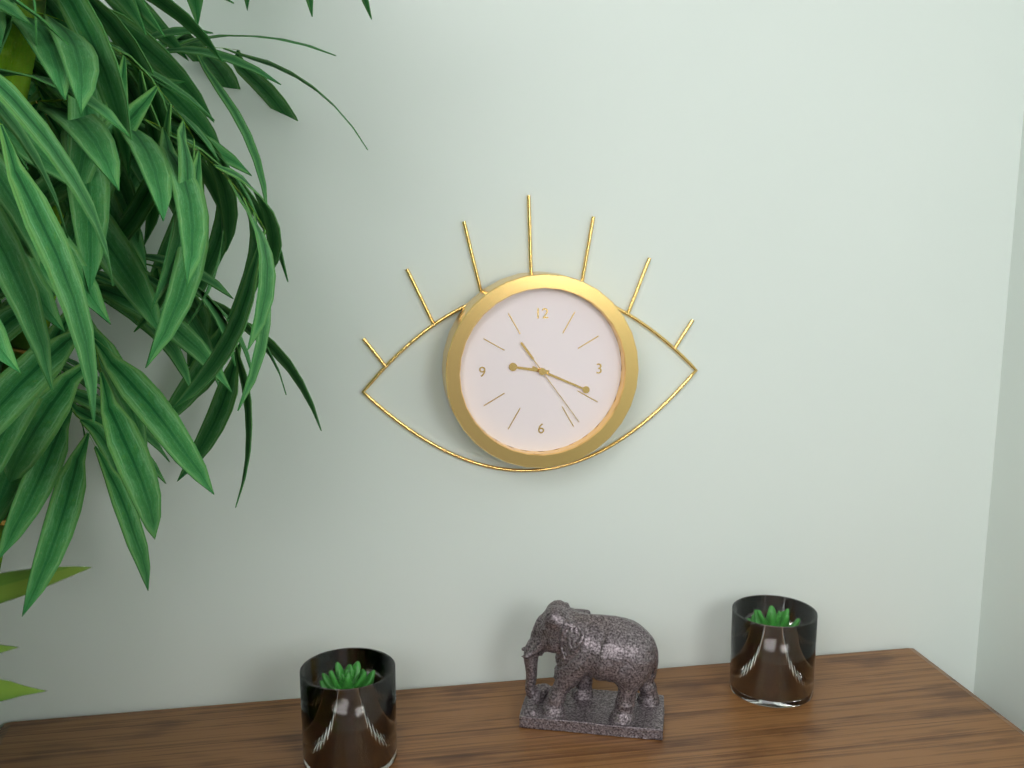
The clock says 9:19:24
